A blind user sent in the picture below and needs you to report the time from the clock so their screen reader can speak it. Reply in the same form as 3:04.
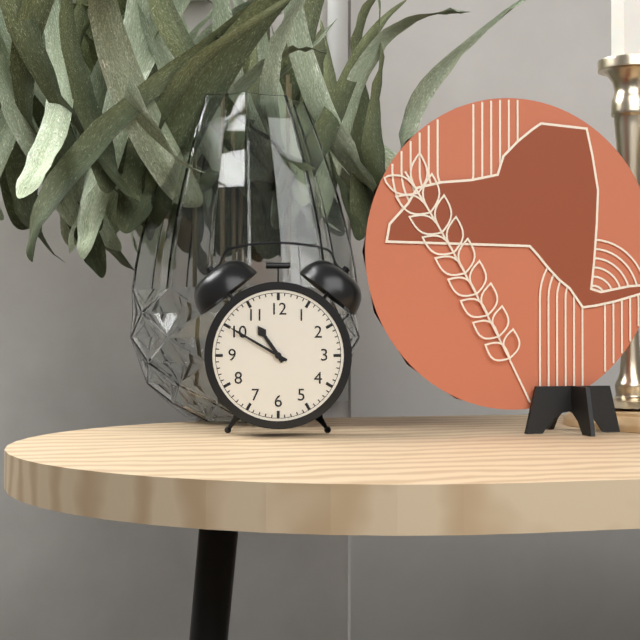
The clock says 10:50
